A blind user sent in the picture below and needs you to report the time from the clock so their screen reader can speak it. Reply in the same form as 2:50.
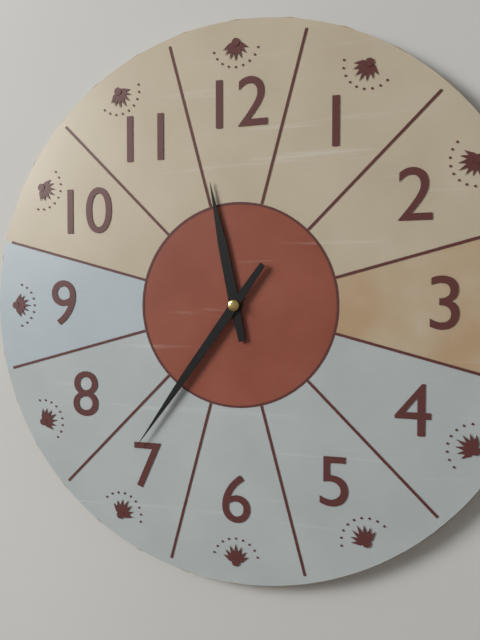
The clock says 11:36
